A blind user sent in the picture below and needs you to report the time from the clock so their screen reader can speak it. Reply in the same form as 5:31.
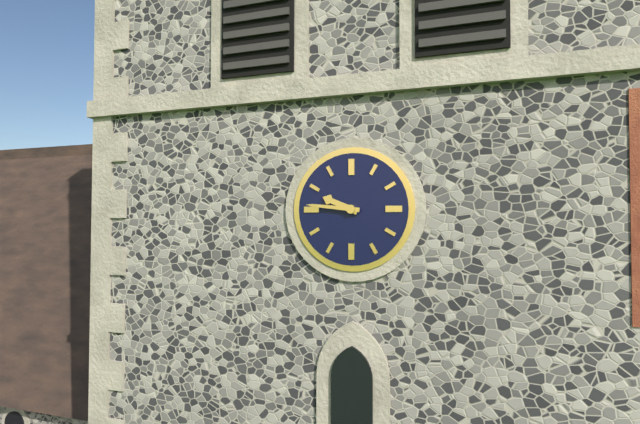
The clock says 9:46
